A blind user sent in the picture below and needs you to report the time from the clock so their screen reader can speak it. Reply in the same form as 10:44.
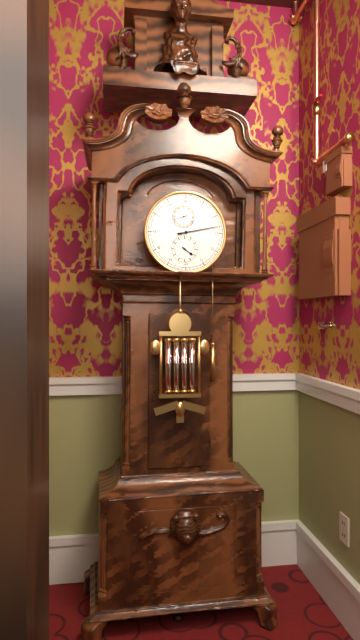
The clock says 4:13
